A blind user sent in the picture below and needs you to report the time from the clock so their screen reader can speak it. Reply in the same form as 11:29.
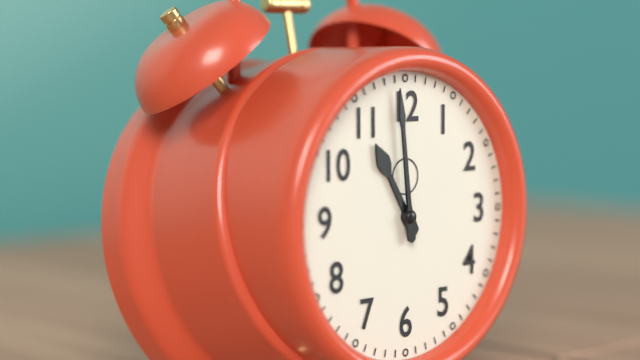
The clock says 10:59
